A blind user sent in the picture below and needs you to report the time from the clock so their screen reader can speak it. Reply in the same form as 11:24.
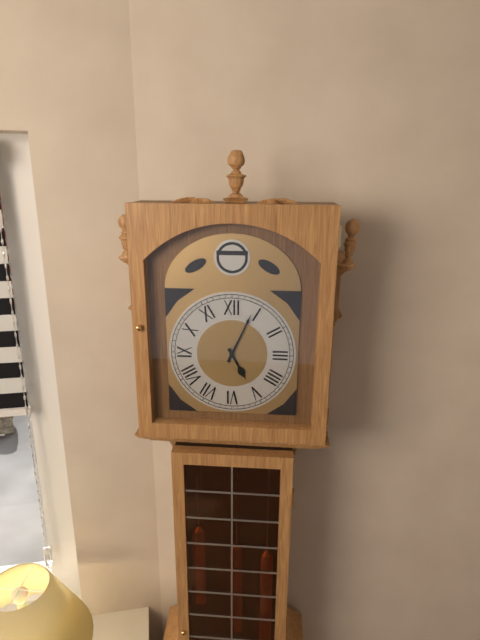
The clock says 5:04
